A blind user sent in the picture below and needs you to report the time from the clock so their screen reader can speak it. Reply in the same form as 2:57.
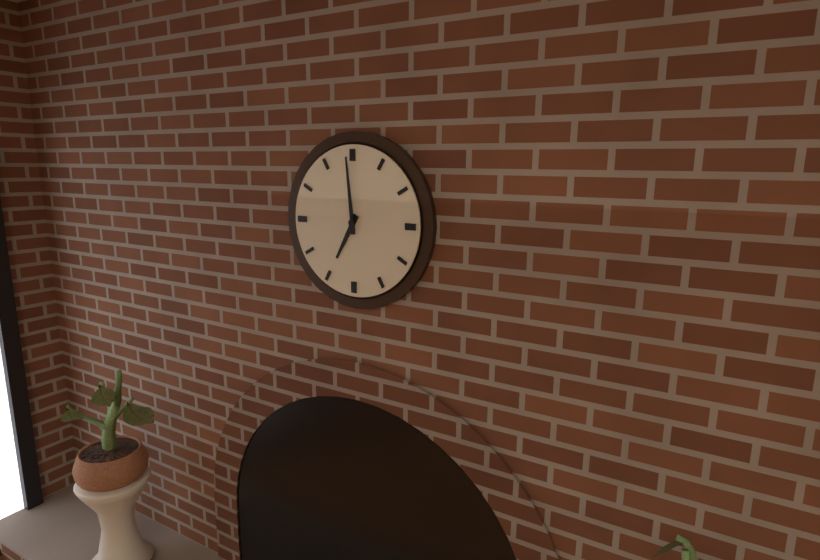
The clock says 6:59
